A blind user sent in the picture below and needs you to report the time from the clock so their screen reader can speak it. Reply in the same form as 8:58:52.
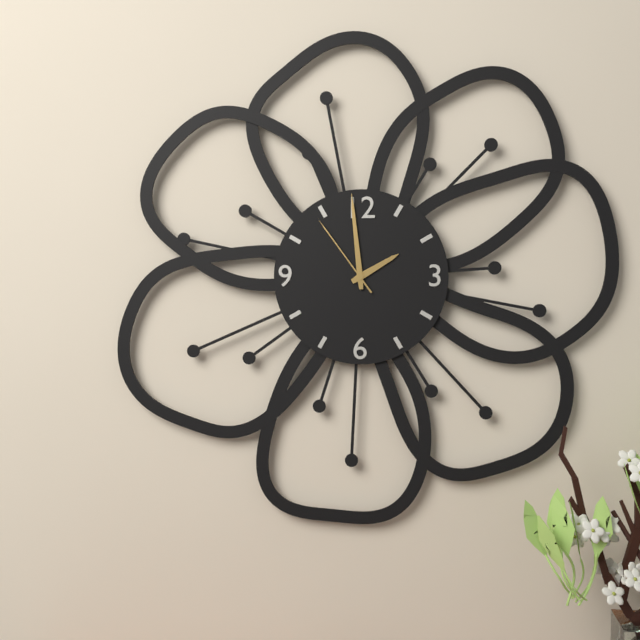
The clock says 1:59:54
